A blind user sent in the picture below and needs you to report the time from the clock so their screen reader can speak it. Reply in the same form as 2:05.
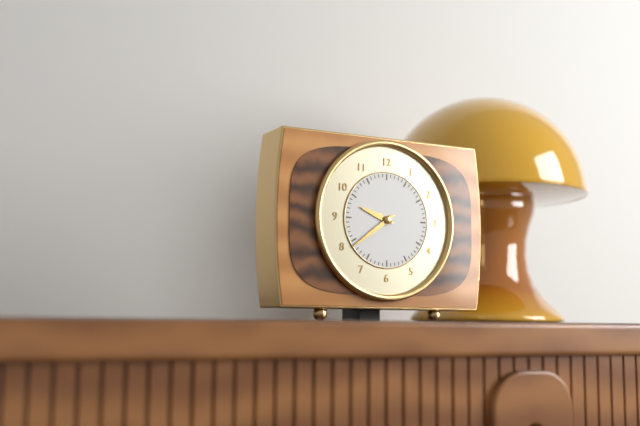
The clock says 9:39
